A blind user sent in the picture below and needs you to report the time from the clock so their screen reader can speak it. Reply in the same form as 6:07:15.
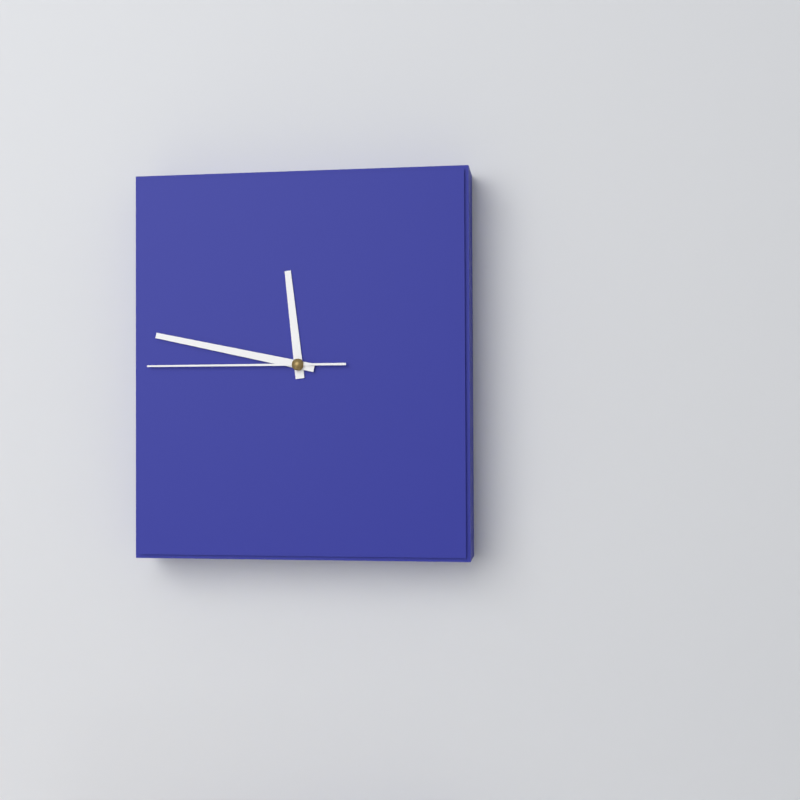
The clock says 11:47:45
